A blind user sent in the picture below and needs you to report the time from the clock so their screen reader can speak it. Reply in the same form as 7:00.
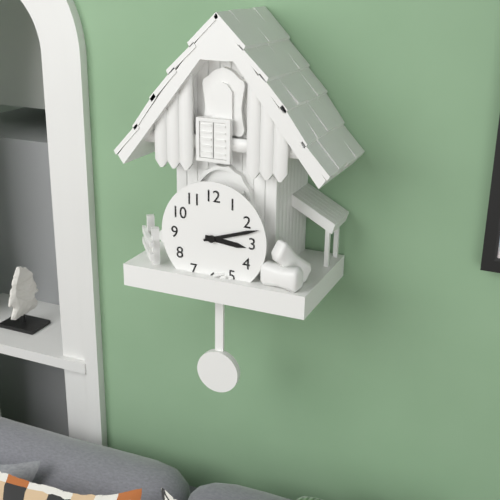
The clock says 3:12
